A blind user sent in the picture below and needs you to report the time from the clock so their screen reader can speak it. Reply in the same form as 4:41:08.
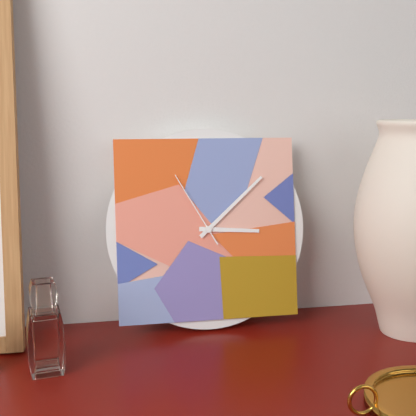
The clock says 3:08:55
